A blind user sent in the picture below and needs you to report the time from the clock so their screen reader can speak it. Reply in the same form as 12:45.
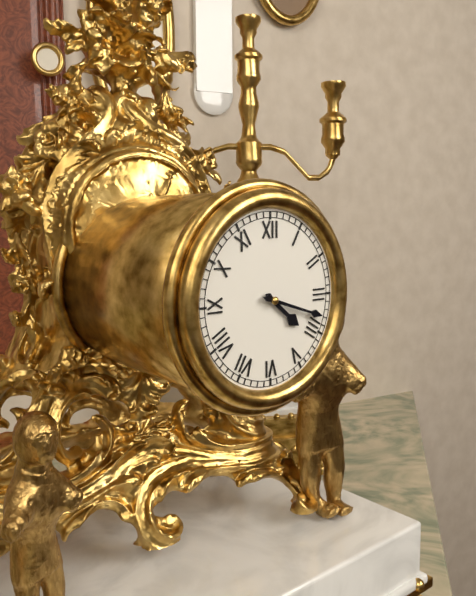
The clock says 4:18
